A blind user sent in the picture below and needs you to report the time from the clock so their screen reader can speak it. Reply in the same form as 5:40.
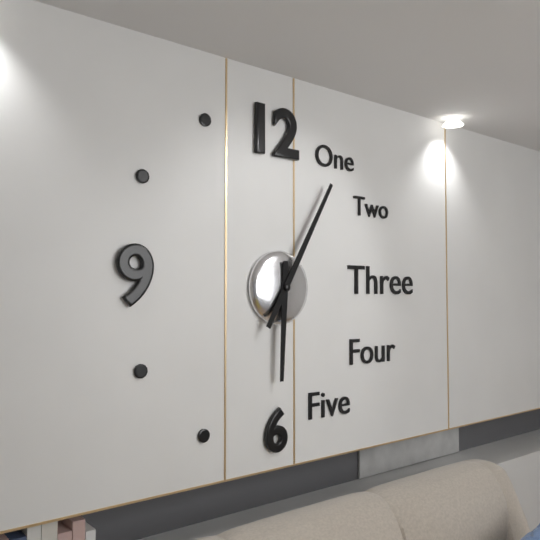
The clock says 6:05
